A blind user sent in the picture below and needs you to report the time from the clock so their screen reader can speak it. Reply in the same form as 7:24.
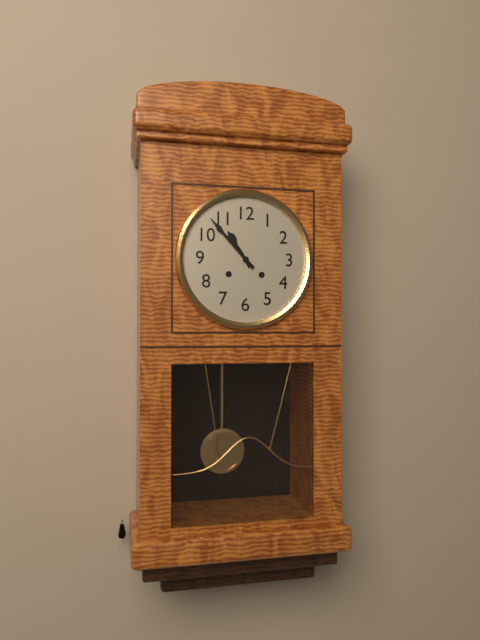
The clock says 10:53
